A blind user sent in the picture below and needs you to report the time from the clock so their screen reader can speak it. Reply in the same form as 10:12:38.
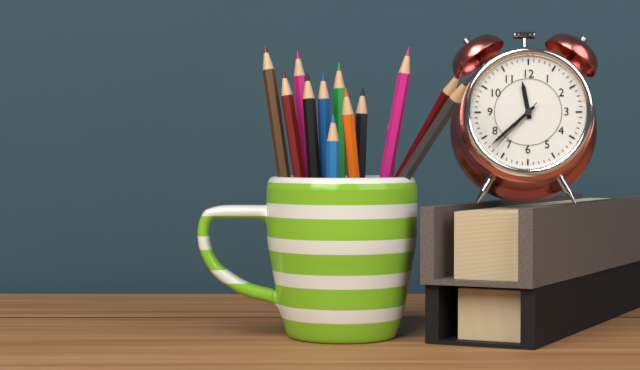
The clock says 11:38:37
